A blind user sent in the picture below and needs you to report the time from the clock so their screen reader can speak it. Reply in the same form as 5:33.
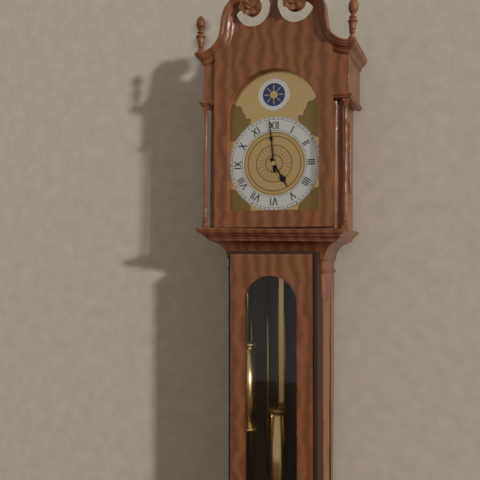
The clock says 4:59
